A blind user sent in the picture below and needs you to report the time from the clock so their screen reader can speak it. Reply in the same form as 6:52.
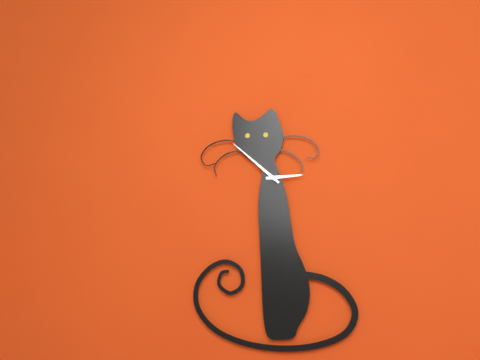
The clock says 2:52
